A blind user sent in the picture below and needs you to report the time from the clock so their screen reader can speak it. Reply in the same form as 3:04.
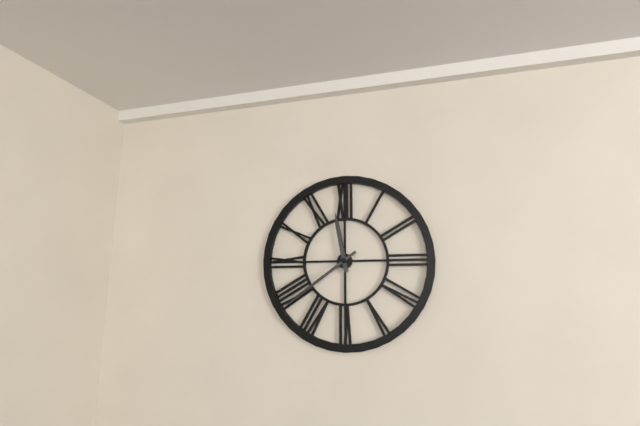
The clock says 11:39
